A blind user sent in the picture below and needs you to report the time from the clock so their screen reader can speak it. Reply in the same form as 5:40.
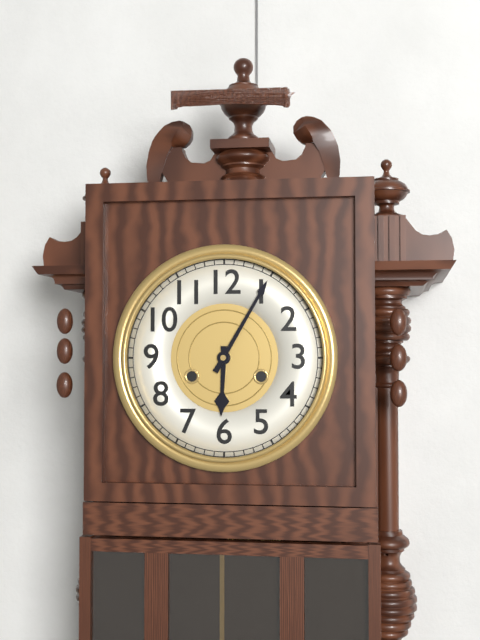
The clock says 6:05
